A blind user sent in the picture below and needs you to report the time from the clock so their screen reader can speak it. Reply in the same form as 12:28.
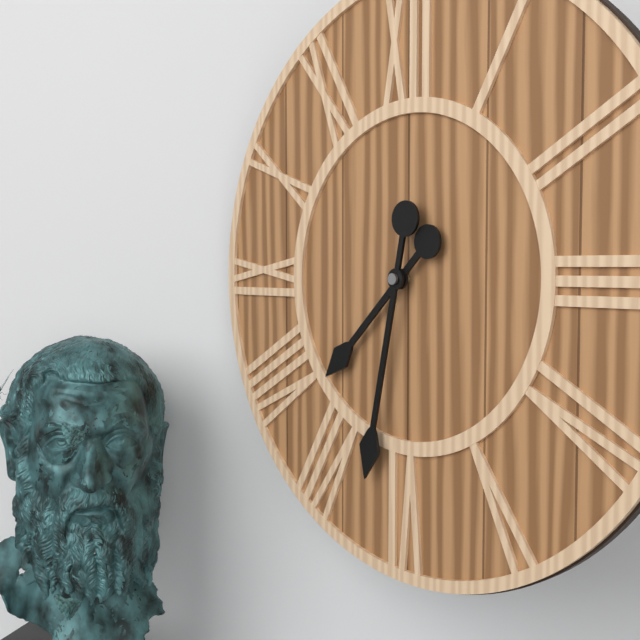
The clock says 7:32
